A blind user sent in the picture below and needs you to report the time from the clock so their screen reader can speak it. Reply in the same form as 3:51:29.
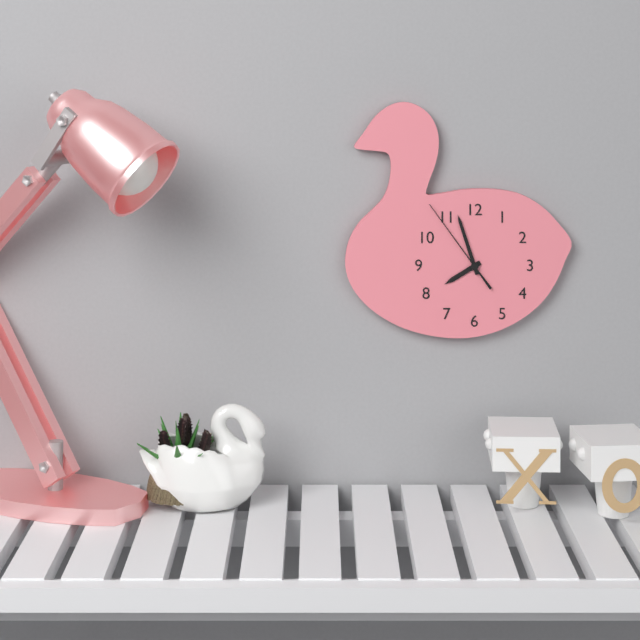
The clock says 7:57:54
